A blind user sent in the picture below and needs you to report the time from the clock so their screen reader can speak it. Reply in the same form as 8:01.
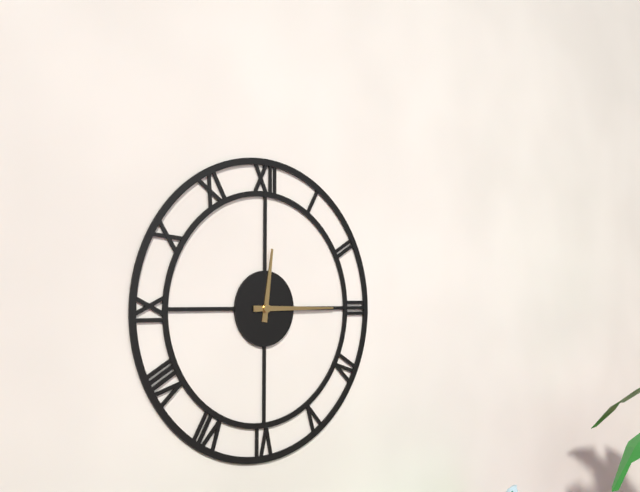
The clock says 12:15
